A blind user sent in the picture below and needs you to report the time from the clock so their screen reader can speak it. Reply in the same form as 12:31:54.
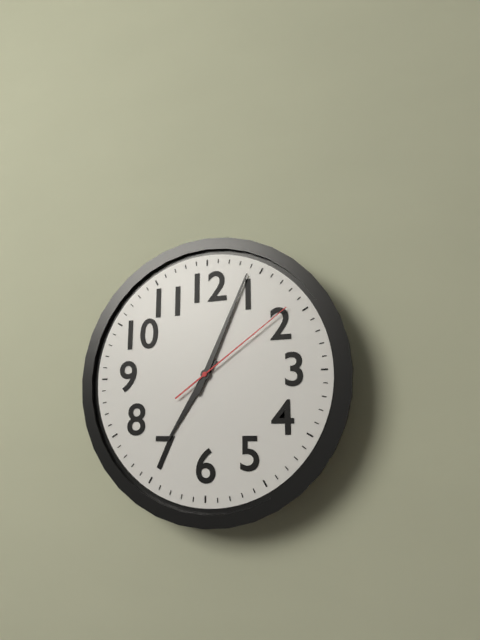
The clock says 7:04:09
